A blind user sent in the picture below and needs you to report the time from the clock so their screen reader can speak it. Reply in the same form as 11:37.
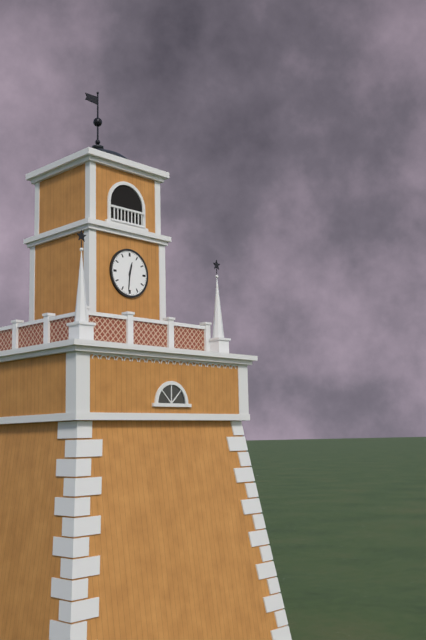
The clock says 12:31
